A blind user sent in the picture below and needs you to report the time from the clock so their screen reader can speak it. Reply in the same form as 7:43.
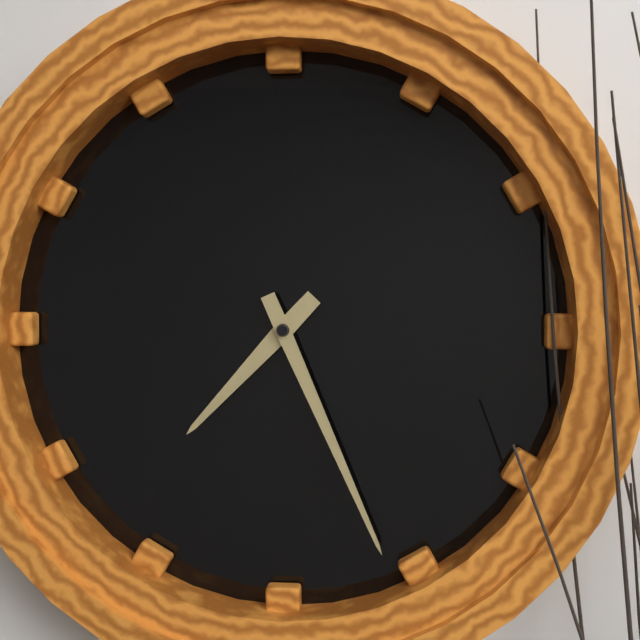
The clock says 7:26
